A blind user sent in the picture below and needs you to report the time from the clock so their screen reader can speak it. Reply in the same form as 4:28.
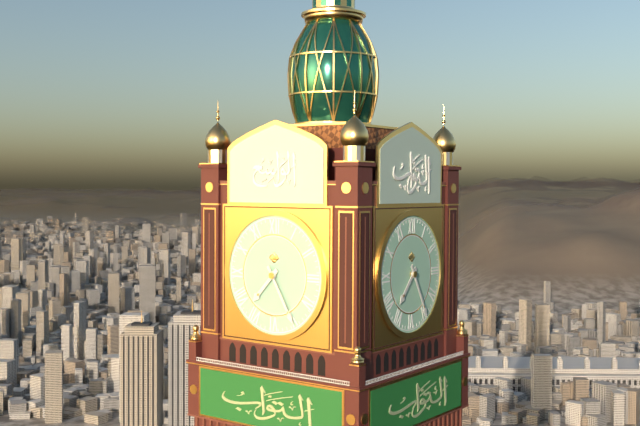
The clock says 7:25
